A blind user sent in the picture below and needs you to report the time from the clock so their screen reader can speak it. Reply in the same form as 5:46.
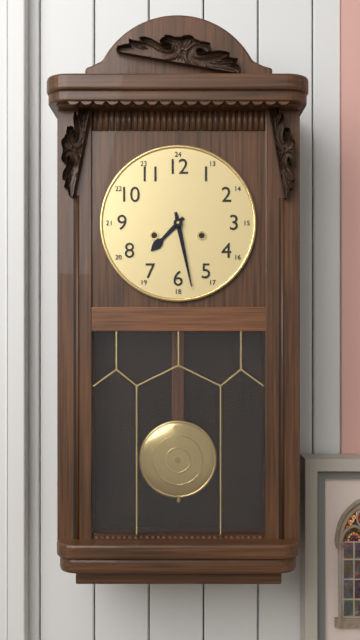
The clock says 7:28
